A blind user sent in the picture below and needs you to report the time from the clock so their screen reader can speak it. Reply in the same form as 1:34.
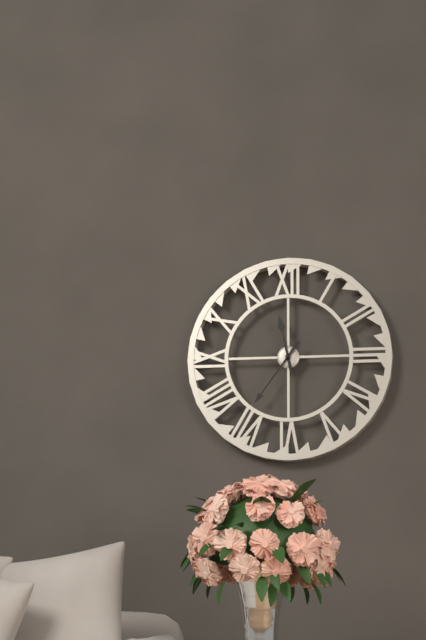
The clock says 11:36
